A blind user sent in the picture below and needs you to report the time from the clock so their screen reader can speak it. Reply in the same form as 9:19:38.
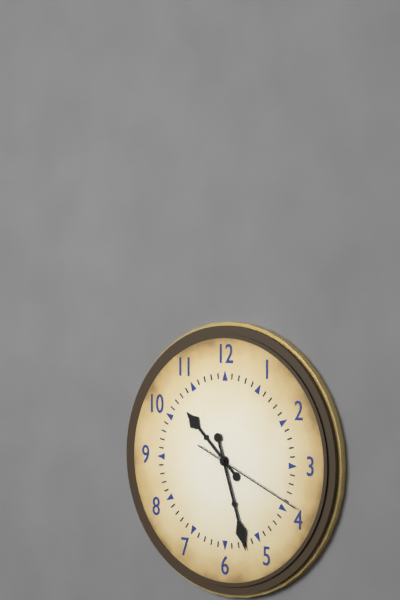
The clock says 10:27:19
